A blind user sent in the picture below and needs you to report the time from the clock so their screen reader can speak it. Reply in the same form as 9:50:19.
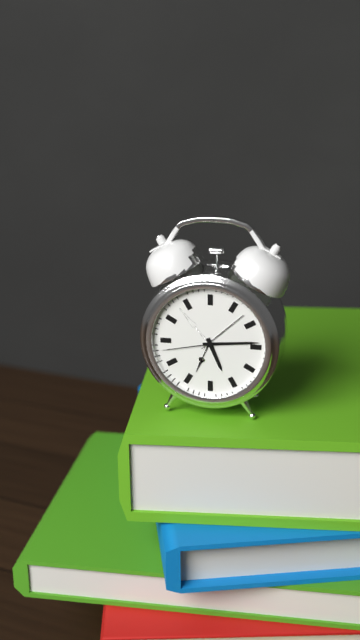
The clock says 5:14:43
